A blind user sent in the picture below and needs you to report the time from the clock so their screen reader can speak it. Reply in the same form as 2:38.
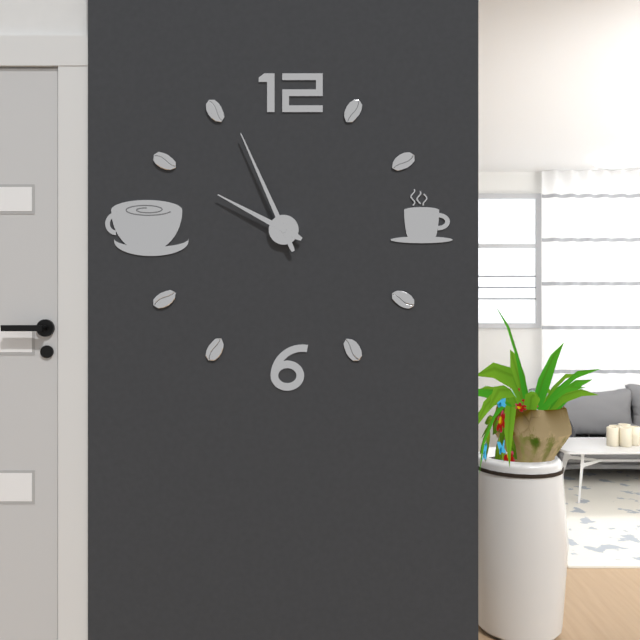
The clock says 9:56
